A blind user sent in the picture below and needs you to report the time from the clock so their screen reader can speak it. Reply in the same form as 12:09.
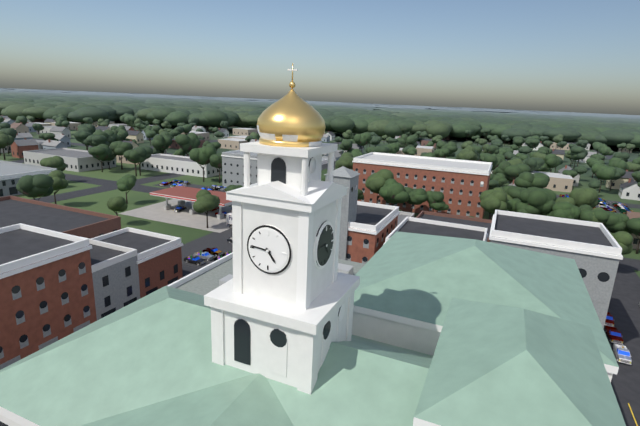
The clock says 4:46
